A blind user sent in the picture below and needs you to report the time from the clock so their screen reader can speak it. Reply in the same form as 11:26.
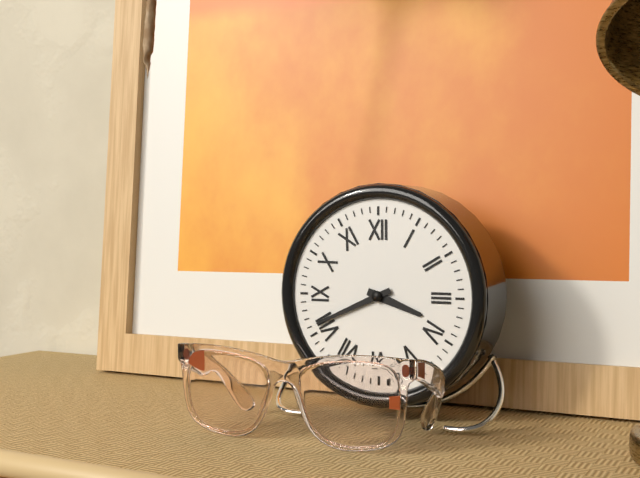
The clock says 3:41
